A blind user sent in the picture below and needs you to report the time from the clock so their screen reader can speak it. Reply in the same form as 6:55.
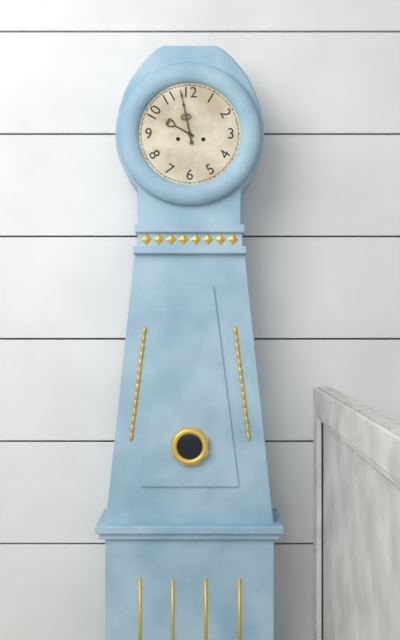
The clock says 9:58
